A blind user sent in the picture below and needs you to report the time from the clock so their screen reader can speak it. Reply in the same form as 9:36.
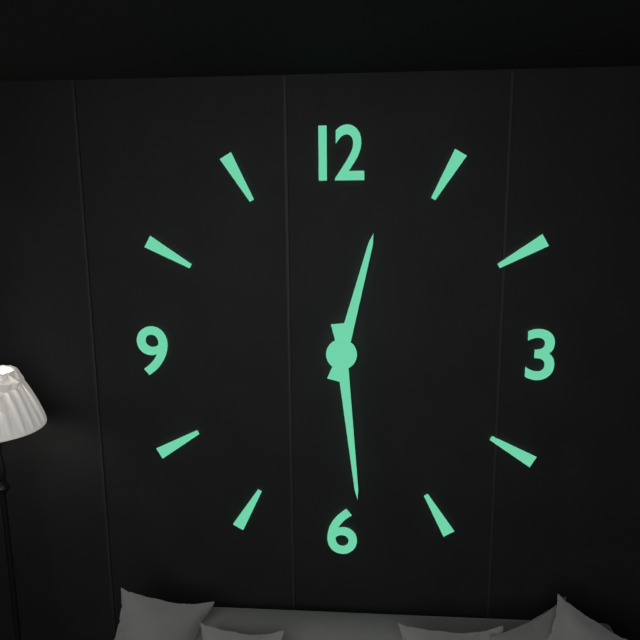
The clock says 12:29
